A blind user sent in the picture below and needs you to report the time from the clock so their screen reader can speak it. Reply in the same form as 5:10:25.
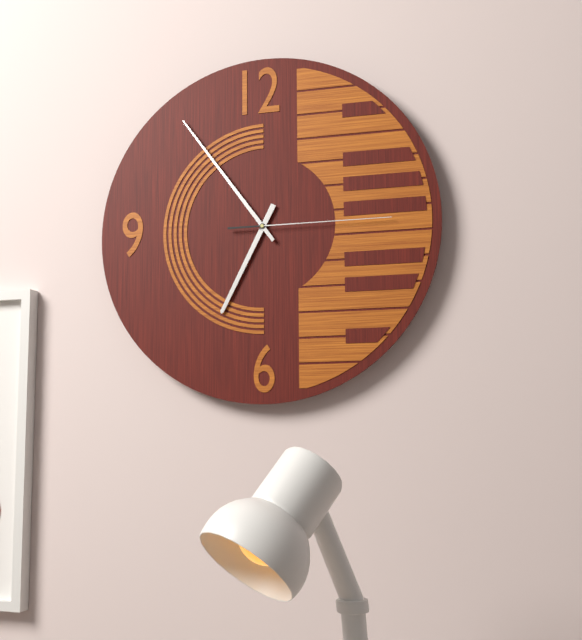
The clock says 6:54:15
